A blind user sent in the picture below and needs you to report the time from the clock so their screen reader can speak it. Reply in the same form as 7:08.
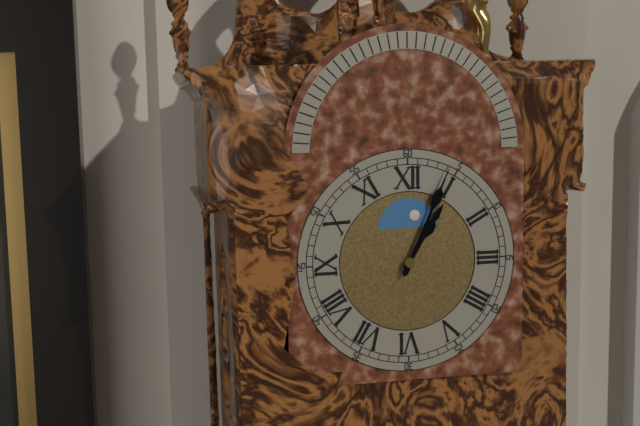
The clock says 1:04
